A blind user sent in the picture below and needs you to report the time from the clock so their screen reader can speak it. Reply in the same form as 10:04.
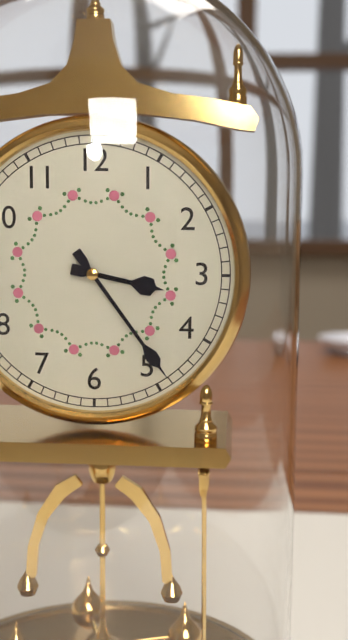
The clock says 3:24
